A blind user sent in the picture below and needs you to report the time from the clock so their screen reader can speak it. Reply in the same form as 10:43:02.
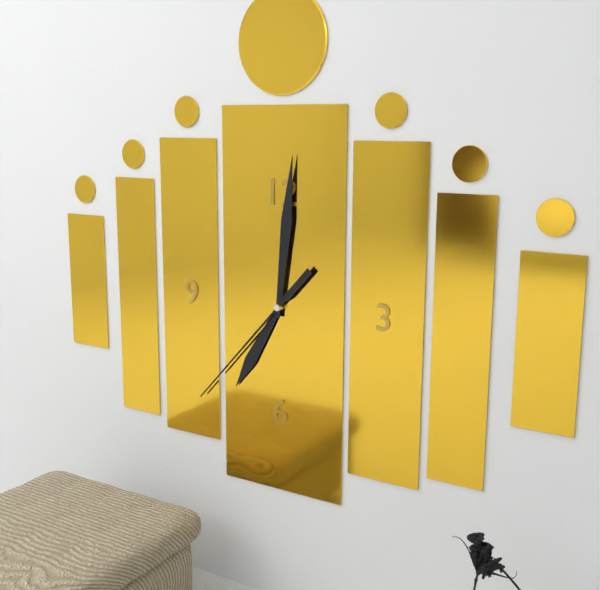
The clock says 7:01:37
